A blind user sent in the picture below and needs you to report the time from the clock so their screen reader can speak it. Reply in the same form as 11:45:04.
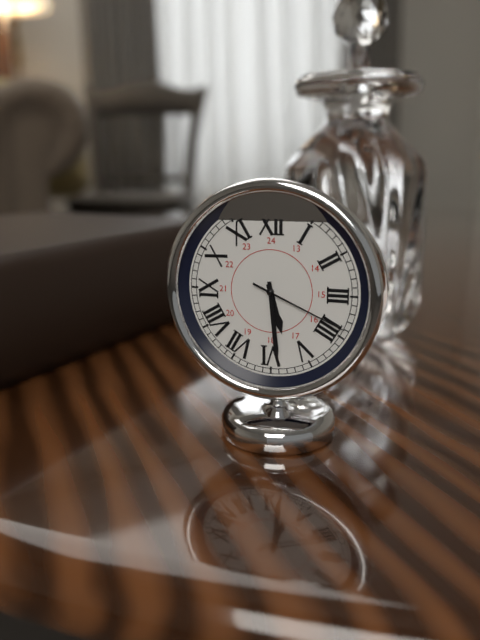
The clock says 5:29:19
